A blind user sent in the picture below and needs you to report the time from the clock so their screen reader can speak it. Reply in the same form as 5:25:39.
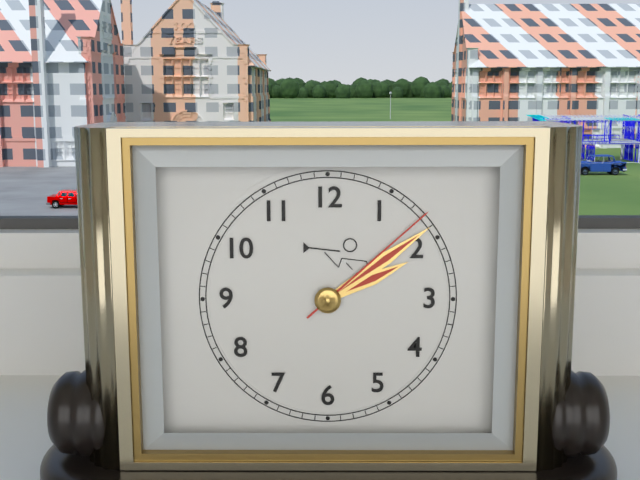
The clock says 2:09:08
